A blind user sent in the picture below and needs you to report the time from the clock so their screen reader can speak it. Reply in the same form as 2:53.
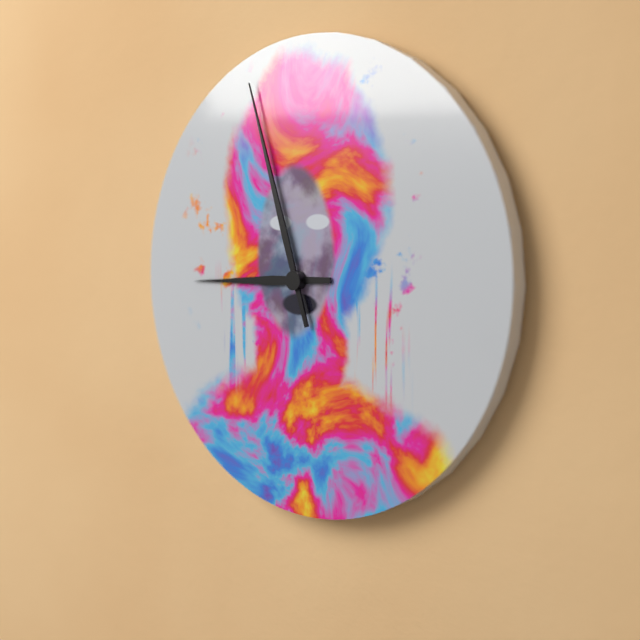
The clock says 8:57
